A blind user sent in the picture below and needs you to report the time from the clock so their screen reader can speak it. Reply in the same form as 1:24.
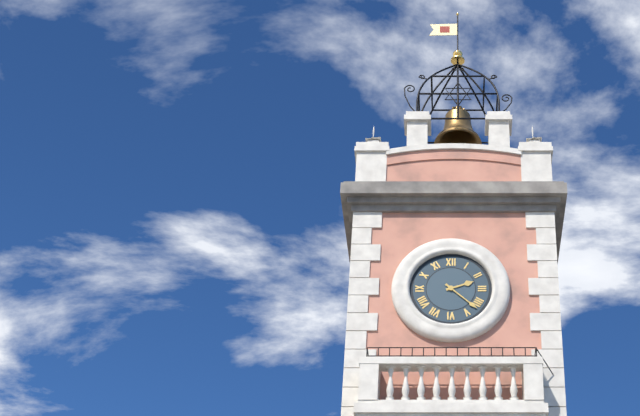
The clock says 2:22
